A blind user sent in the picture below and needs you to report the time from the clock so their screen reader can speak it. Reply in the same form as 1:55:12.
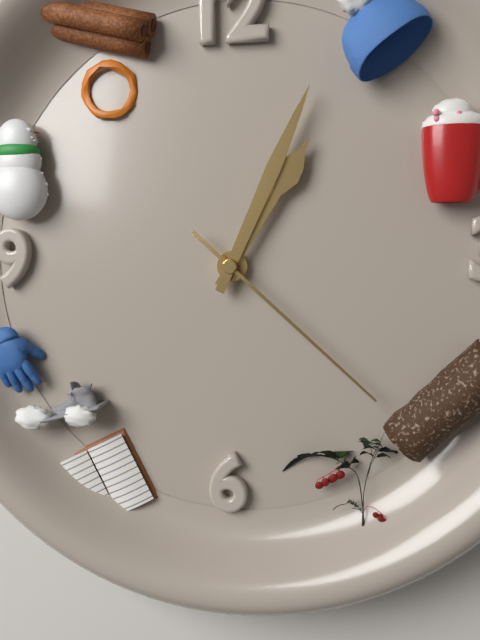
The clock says 1:04:22
